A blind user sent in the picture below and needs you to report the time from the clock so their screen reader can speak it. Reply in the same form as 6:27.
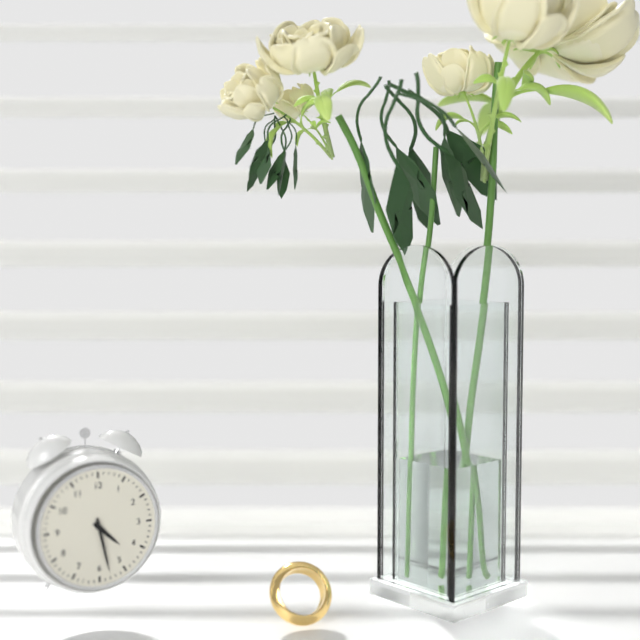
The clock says 4:28
